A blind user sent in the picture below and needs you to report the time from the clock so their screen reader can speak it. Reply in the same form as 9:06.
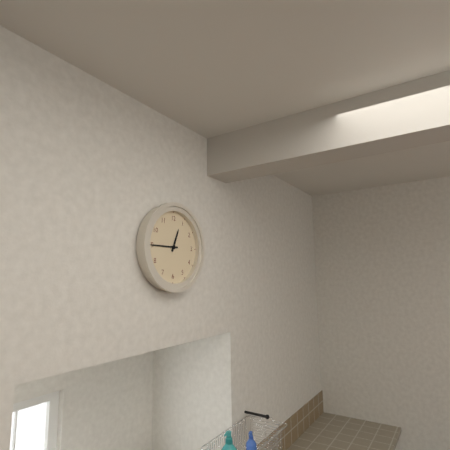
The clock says 12:45
